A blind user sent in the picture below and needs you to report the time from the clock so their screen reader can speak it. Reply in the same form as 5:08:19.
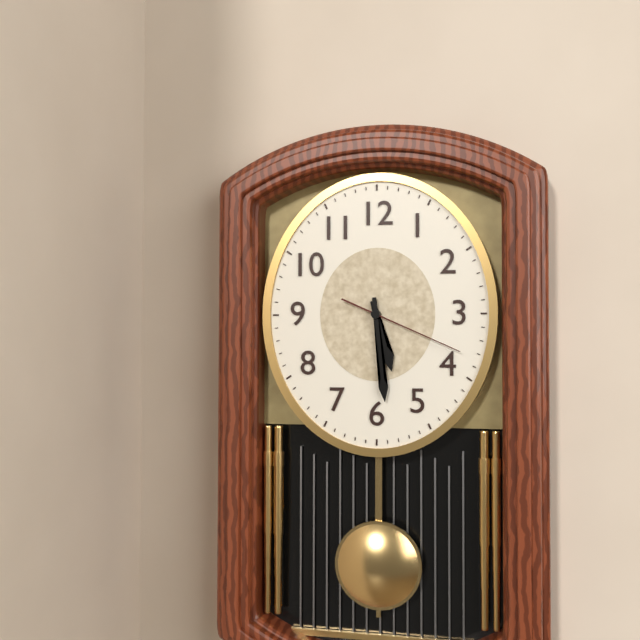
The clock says 5:29:19
